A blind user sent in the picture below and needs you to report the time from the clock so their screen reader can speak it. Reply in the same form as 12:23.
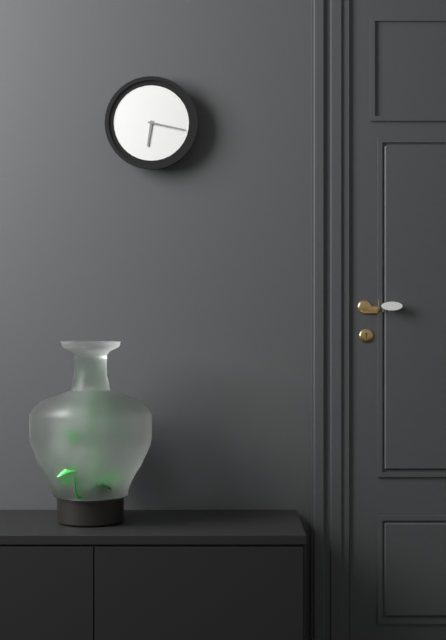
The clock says 6:17
